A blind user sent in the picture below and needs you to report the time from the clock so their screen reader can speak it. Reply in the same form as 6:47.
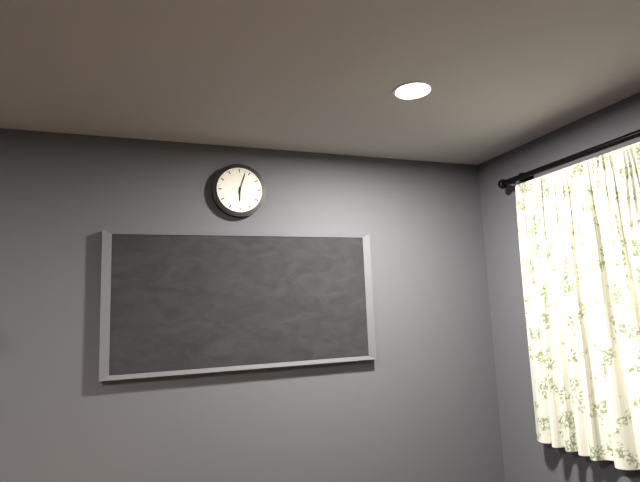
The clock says 6:03
